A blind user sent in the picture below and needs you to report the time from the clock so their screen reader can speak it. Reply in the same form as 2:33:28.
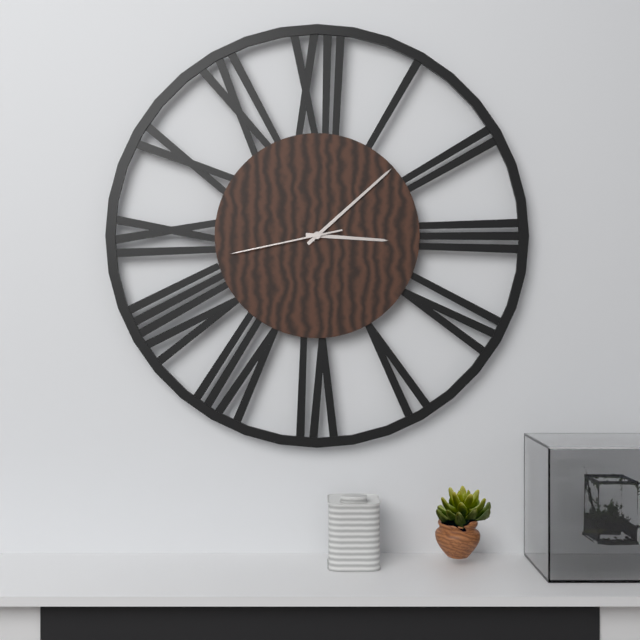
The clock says 3:08:43
